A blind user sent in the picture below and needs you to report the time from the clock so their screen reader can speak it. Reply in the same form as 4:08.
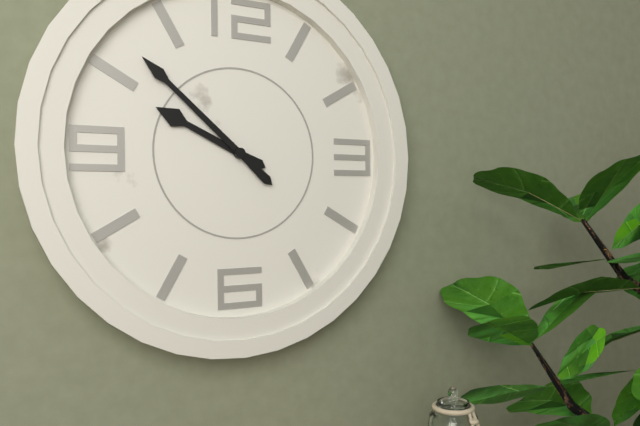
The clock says 9:52
